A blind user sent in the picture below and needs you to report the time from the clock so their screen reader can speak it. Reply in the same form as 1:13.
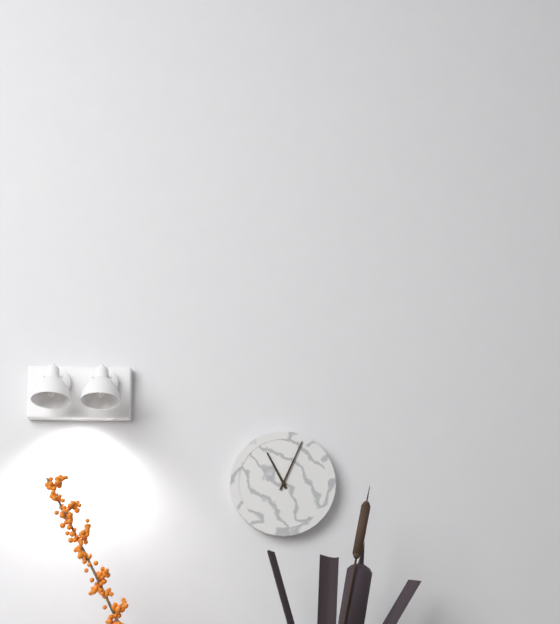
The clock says 11:04
